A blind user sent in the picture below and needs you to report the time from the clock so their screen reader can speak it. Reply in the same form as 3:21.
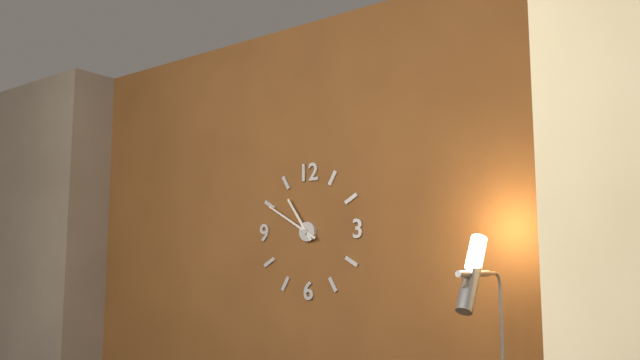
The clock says 10:50
